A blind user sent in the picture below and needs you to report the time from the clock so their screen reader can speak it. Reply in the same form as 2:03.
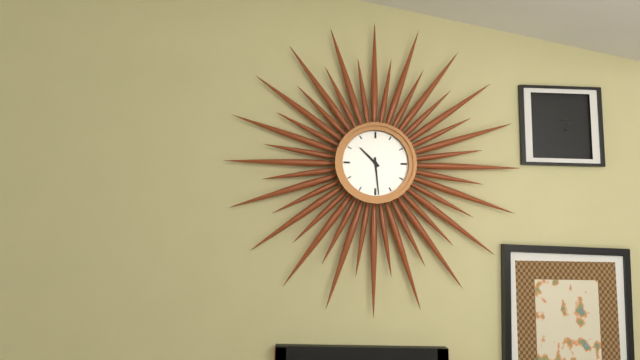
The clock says 10:29
